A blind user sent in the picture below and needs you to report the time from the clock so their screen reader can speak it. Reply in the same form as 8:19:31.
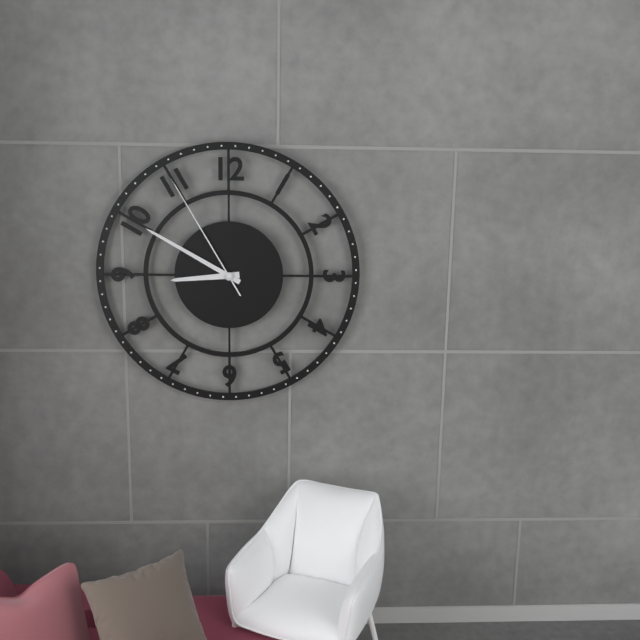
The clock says 8:50:55
